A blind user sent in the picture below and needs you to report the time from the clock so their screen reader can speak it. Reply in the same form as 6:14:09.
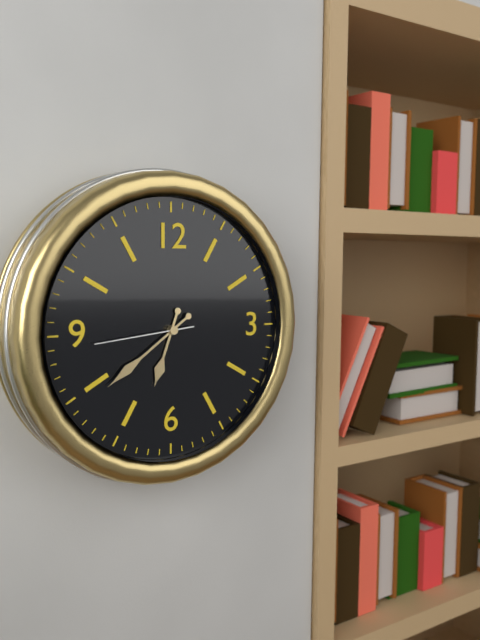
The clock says 6:39:44
